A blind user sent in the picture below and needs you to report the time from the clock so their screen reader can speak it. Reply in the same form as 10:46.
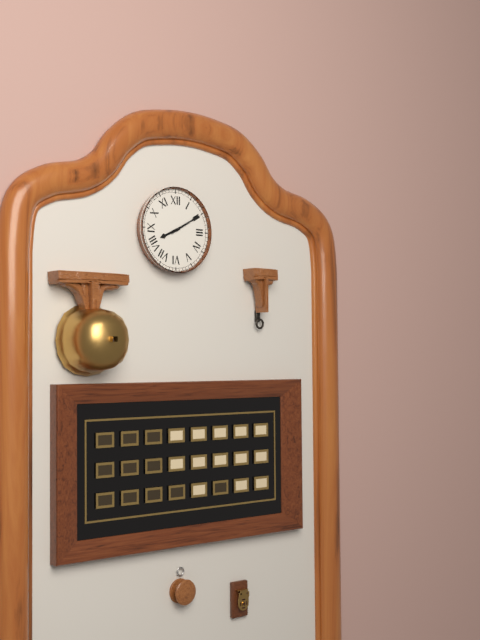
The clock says 8:10
